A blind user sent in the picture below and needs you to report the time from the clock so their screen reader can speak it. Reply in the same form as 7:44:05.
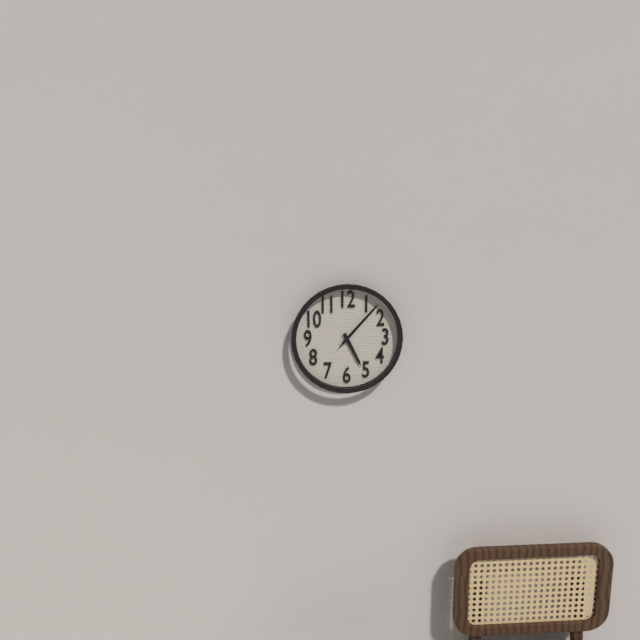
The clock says 5:07:07
